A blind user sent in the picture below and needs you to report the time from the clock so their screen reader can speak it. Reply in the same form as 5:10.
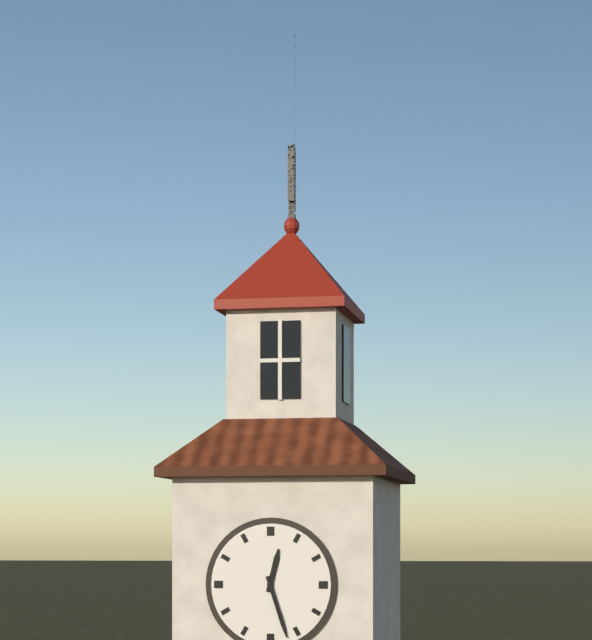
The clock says 12:27
